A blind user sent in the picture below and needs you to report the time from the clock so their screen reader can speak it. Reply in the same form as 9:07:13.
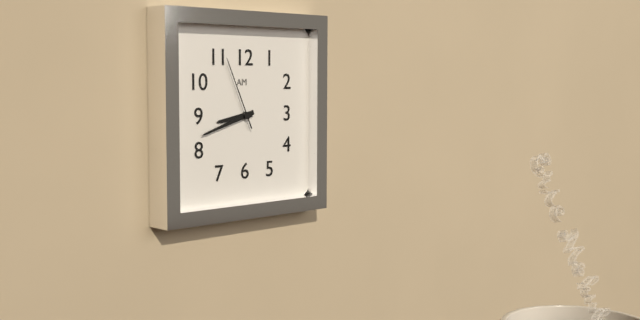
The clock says 8:42:56
